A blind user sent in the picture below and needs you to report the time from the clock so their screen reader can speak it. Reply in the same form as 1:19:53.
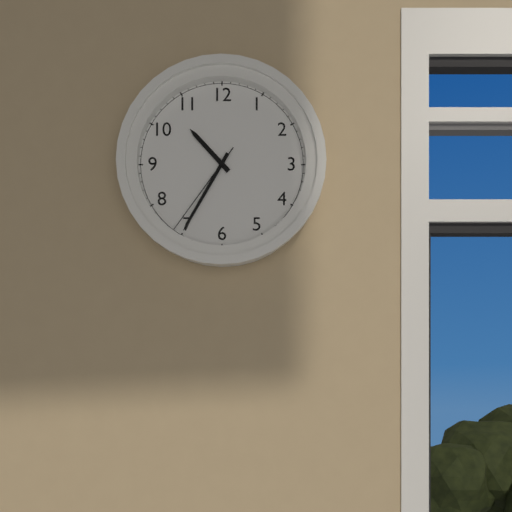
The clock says 10:35:36
